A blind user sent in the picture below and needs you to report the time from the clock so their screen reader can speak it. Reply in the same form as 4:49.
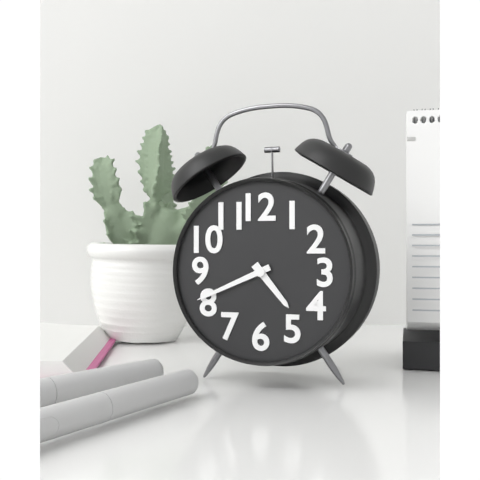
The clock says 4:41
